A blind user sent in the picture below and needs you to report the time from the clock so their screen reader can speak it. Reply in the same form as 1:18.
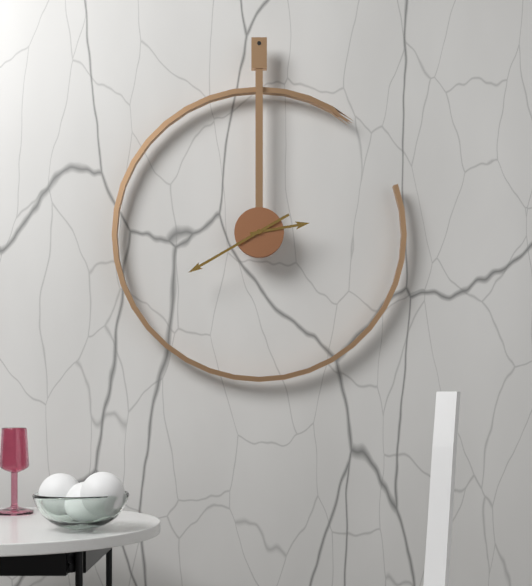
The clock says 2:40
